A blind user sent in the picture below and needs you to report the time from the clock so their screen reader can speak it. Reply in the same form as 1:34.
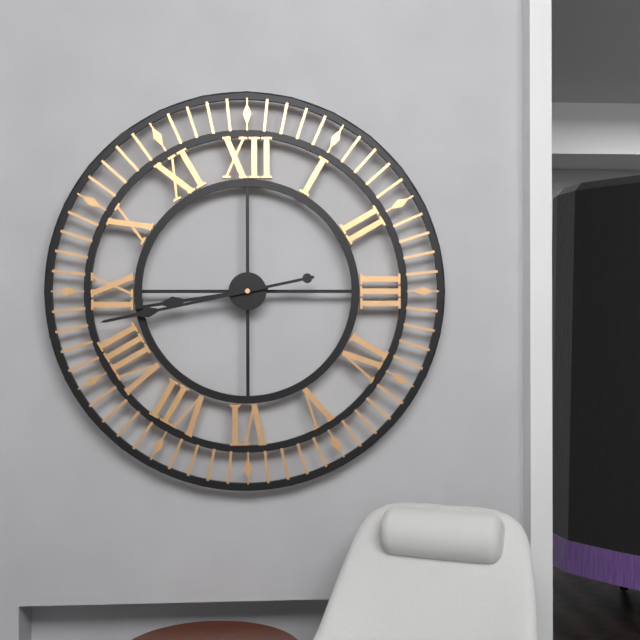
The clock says 8:43
